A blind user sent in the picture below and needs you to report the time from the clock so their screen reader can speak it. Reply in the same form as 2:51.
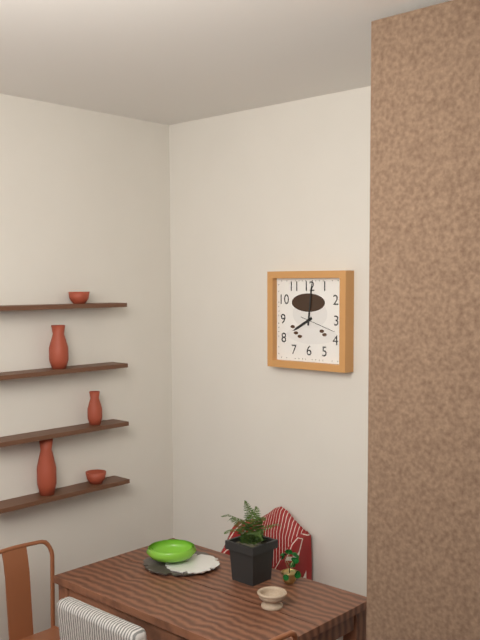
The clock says 8:01
